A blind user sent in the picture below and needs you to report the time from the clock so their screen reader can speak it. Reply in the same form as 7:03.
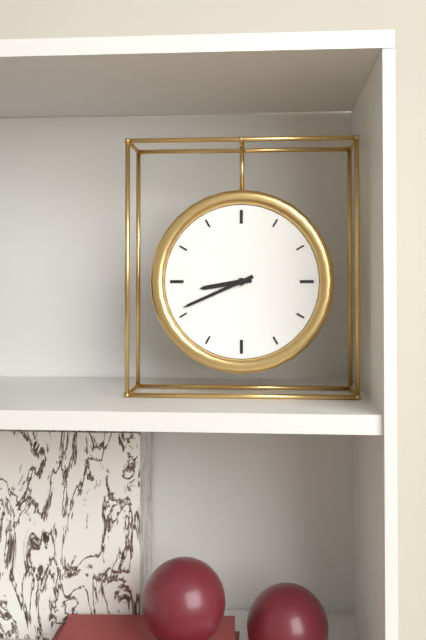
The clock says 8:41
